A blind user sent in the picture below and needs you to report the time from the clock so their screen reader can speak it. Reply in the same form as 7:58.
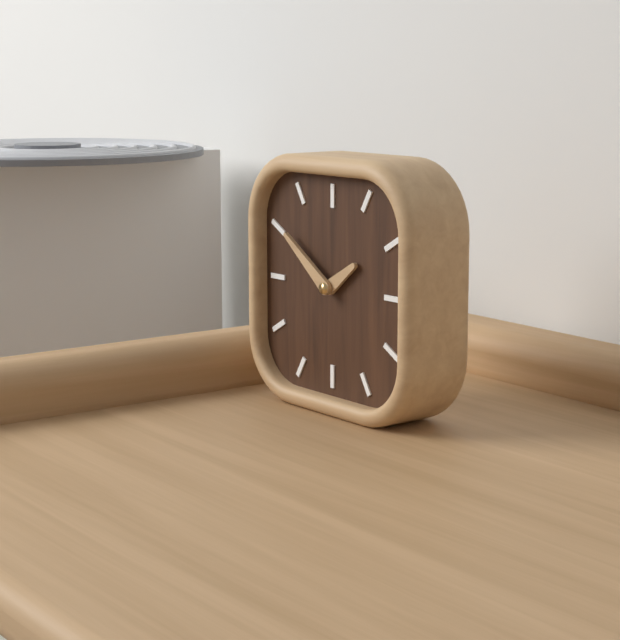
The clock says 1:51
